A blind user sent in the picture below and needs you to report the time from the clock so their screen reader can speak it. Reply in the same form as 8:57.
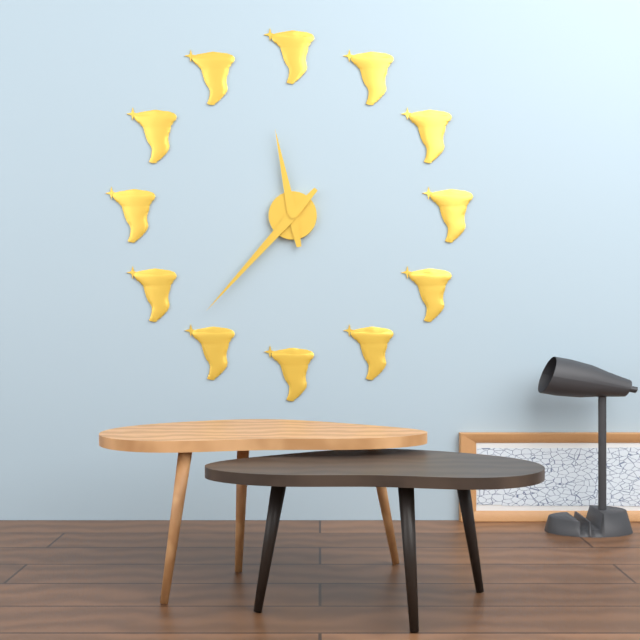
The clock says 11:37
